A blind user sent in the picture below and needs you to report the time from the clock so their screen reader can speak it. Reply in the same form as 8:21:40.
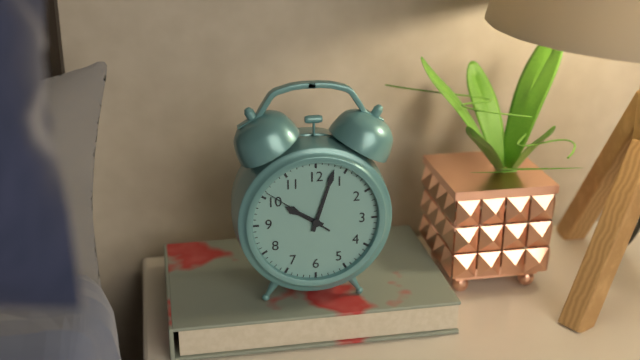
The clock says 10:03:51
